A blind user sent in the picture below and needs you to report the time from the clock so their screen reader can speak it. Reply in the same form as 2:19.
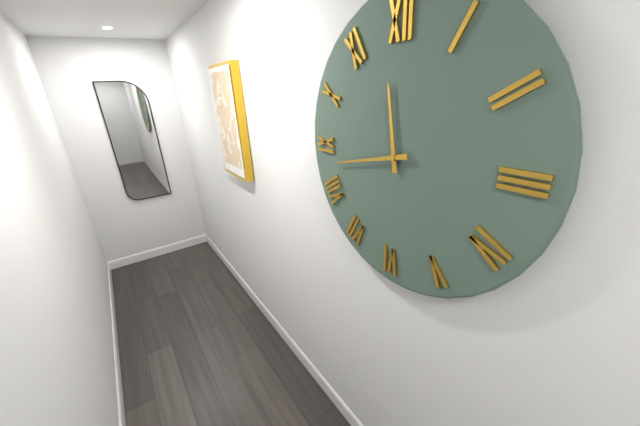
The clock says 11:43
